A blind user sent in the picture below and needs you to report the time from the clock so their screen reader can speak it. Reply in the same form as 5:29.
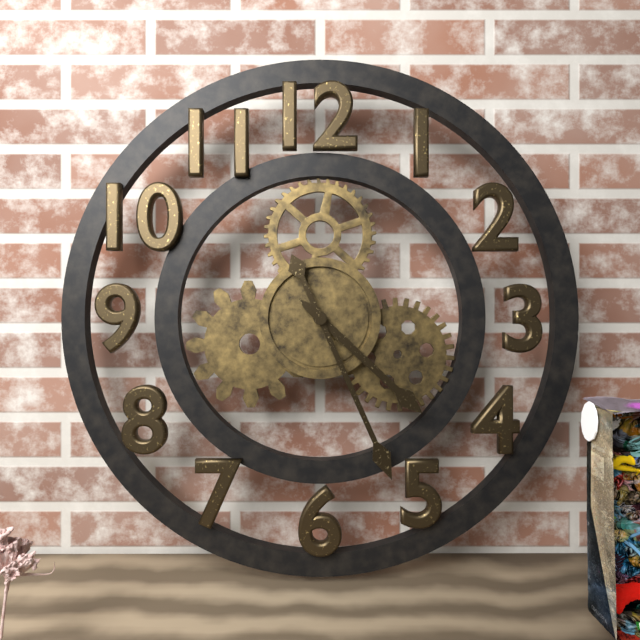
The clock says 4:26
